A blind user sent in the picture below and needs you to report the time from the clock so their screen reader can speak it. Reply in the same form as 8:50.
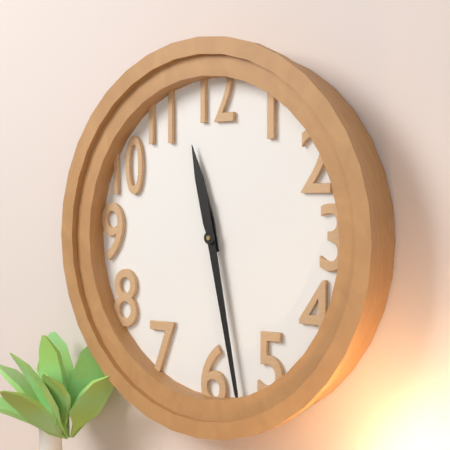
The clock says 11:28
